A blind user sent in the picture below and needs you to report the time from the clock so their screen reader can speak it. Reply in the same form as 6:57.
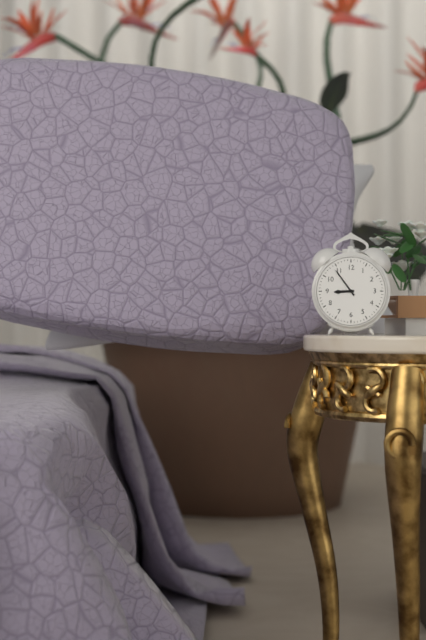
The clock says 8:54
